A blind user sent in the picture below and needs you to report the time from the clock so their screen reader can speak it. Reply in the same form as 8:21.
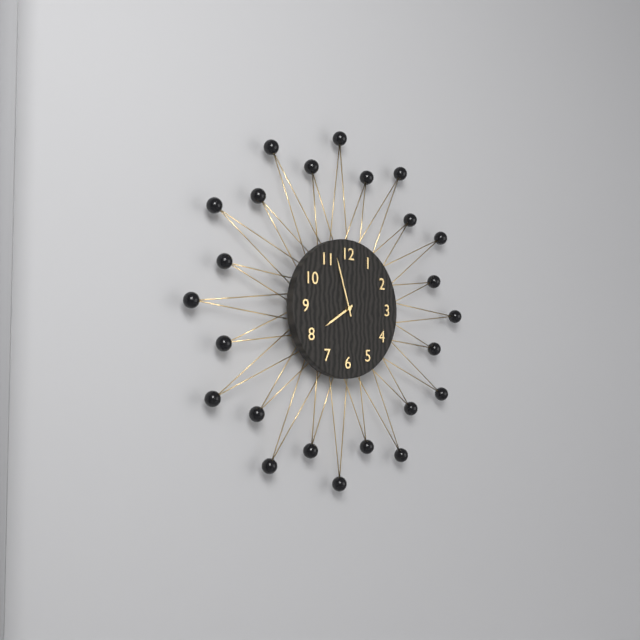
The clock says 7:57
